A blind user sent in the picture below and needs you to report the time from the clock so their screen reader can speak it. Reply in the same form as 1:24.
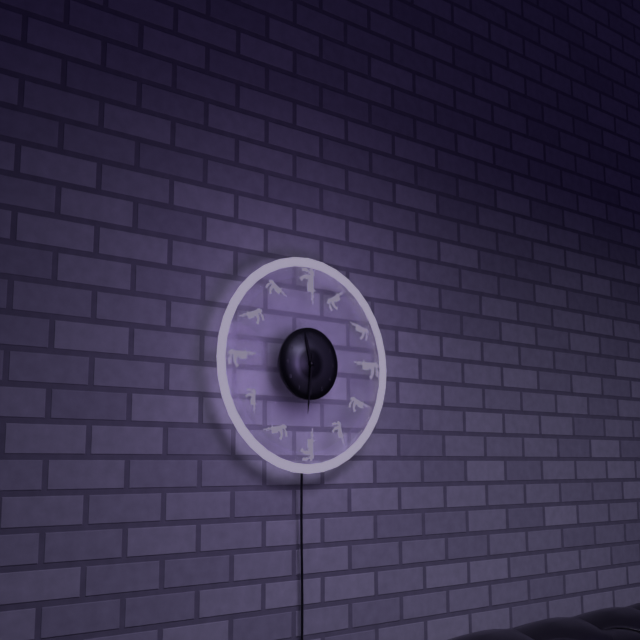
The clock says 11:31
